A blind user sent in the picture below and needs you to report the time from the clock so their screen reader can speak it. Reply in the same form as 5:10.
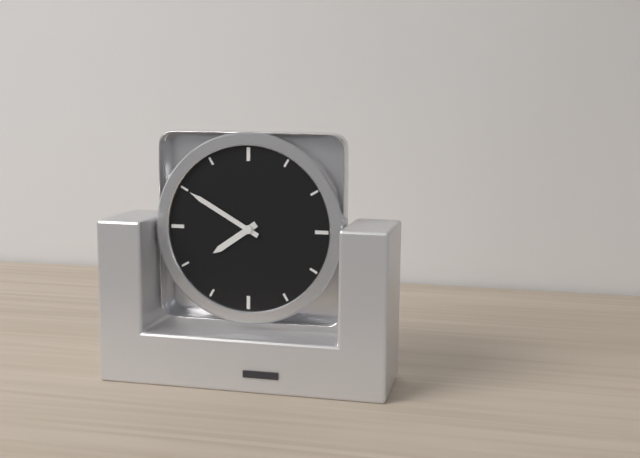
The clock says 7:50
